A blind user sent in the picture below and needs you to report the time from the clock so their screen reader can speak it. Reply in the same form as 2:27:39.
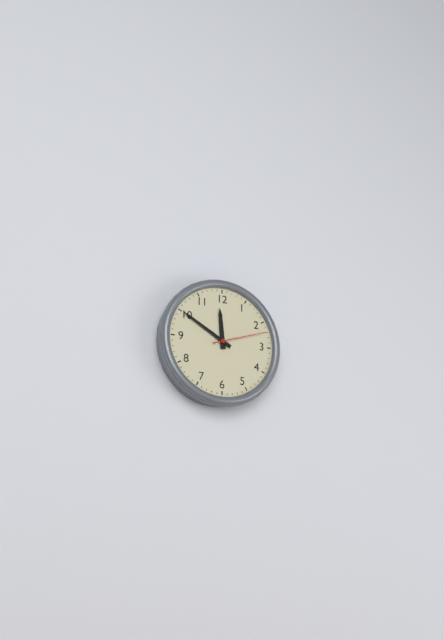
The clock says 11:50:12
